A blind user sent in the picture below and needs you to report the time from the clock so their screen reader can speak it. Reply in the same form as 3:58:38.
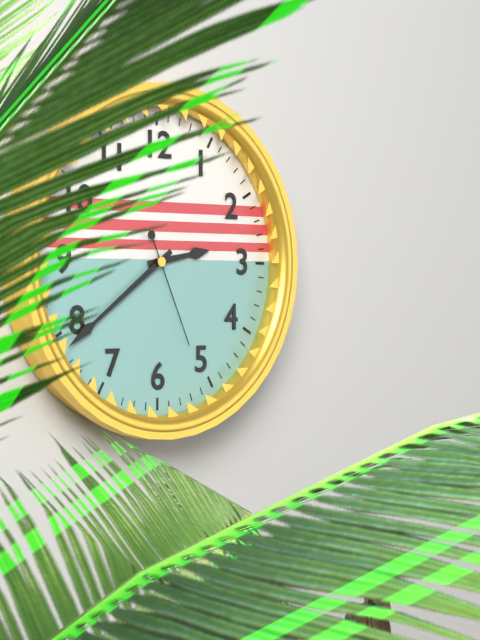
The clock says 2:39:26
